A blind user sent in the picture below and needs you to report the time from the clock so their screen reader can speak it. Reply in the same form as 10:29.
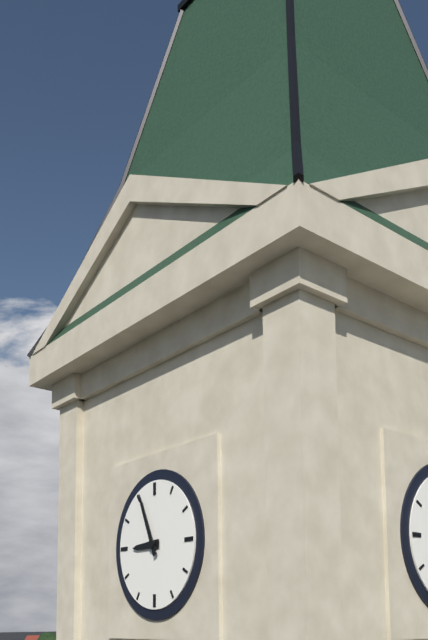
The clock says 8:56
